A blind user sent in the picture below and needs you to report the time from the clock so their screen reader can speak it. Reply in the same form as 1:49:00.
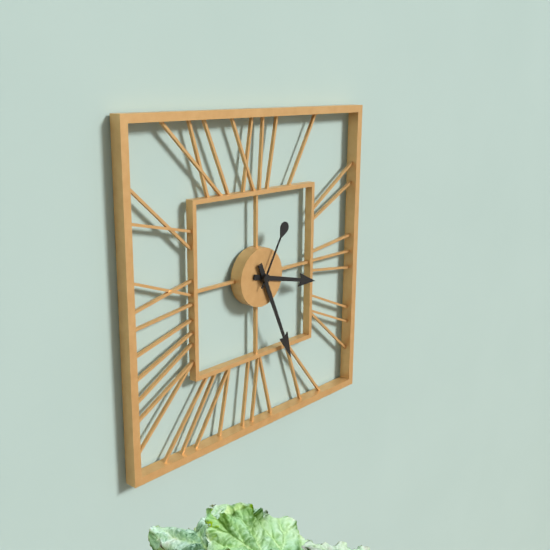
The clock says 3:26:05
